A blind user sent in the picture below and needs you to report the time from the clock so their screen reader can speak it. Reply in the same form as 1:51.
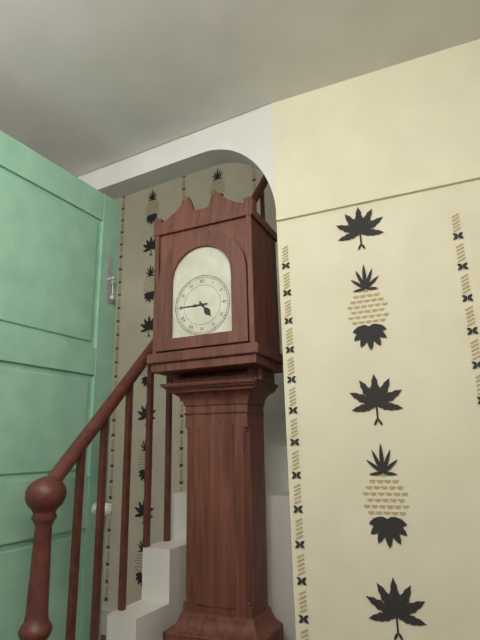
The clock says 4:45
